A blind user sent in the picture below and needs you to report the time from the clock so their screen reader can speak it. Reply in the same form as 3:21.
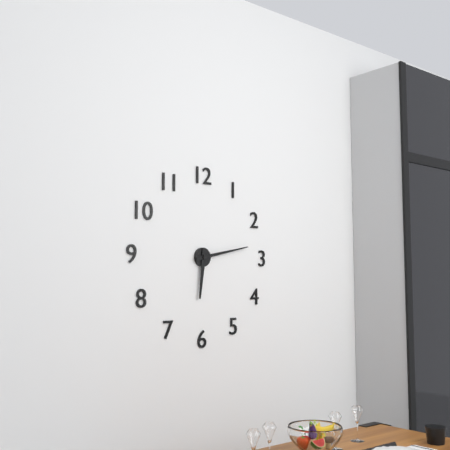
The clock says 6:13
